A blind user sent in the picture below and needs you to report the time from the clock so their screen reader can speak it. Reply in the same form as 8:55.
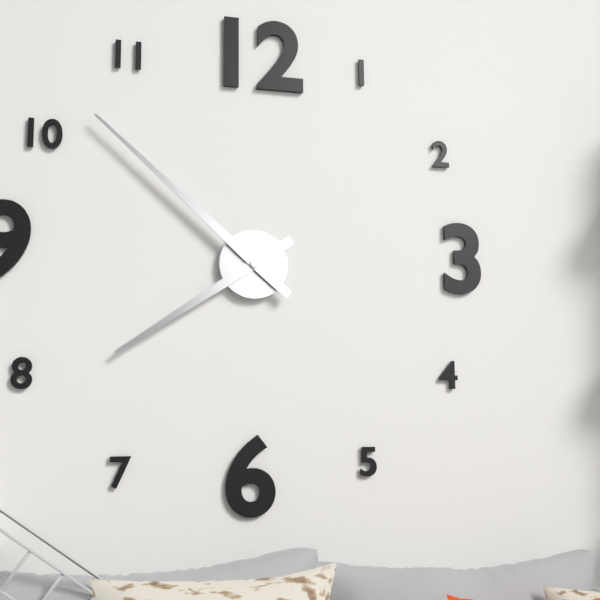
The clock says 7:52
